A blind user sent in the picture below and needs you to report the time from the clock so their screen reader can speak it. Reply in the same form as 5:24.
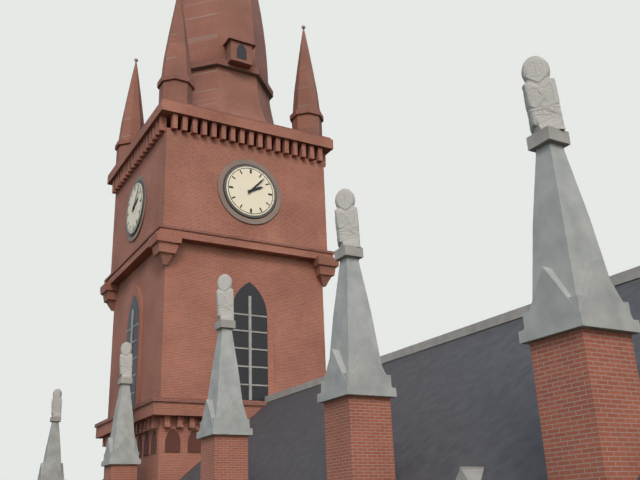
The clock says 2:07
